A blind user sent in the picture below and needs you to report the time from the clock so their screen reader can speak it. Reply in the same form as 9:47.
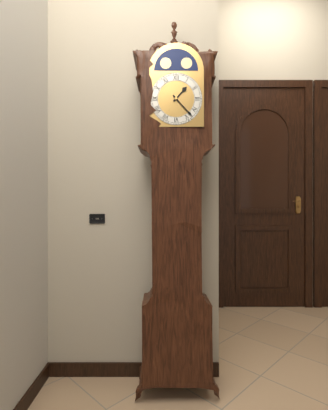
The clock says 1:23
